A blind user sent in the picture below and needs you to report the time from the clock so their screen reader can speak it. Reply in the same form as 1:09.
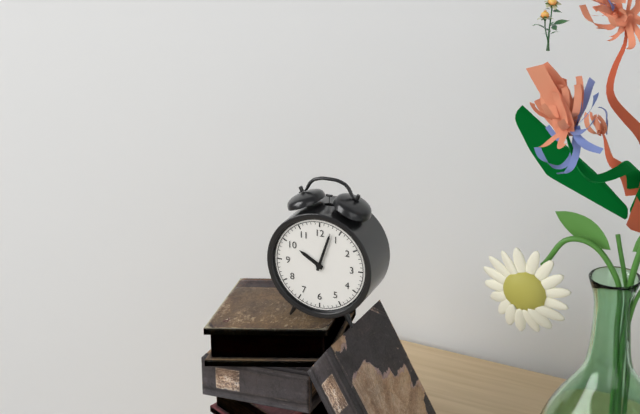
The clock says 10:03
